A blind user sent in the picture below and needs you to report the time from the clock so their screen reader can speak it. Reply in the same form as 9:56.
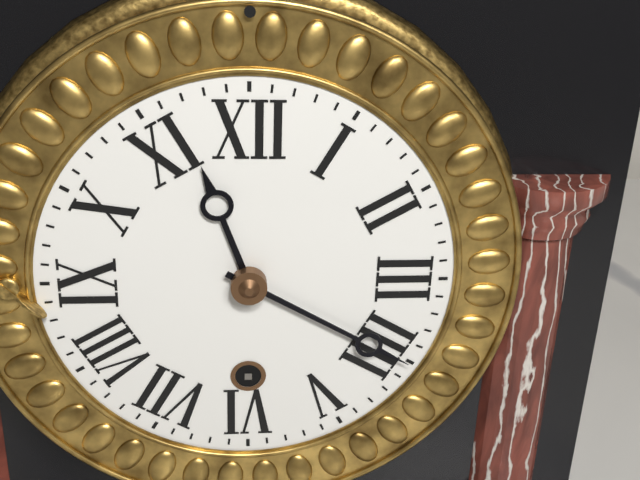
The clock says 11:20
